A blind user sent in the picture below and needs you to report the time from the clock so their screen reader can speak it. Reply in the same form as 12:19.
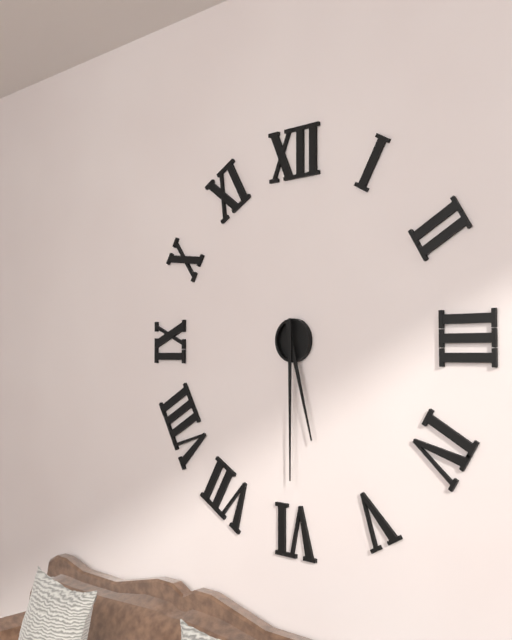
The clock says 5:30
